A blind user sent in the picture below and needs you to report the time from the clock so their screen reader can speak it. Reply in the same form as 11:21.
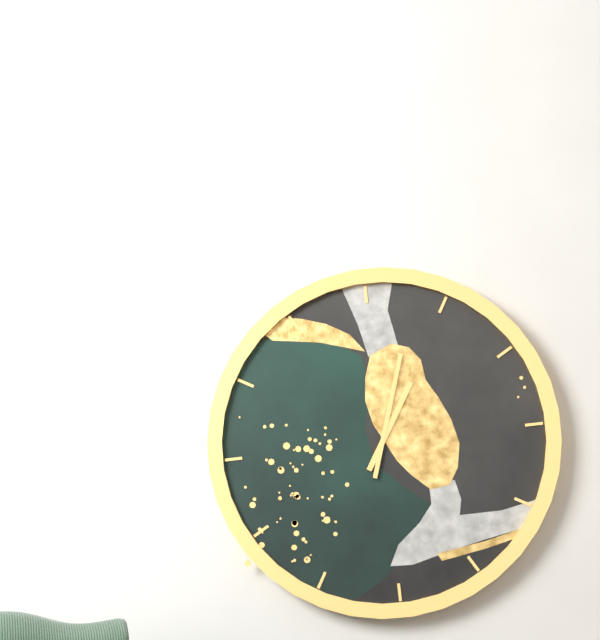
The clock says 1:03
